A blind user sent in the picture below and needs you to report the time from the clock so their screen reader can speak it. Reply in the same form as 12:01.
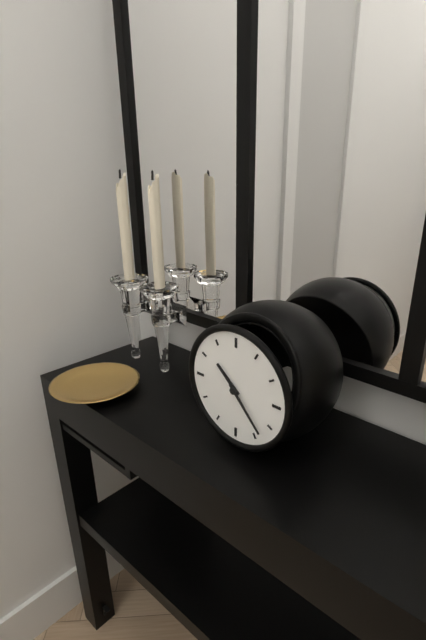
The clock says 10:23
